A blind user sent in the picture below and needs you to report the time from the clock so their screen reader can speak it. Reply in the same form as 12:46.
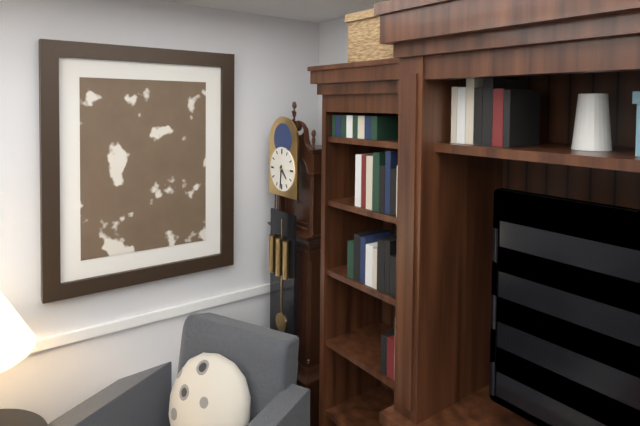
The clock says 4:31
